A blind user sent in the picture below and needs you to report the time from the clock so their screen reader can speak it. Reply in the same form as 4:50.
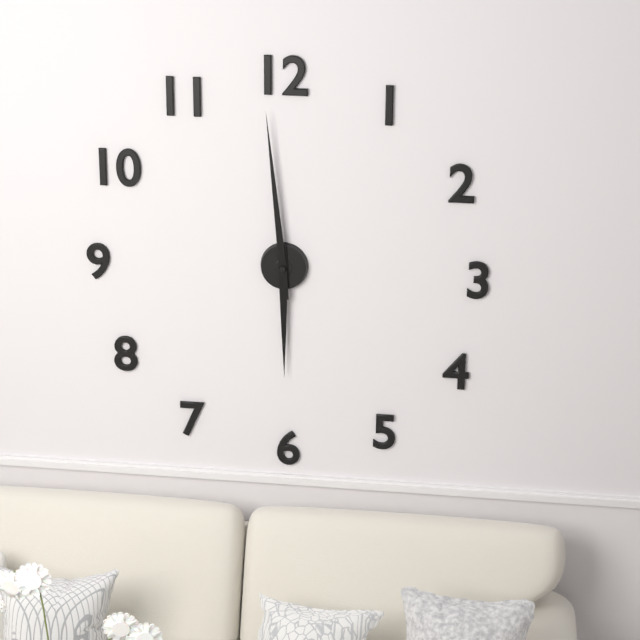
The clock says 5:59
